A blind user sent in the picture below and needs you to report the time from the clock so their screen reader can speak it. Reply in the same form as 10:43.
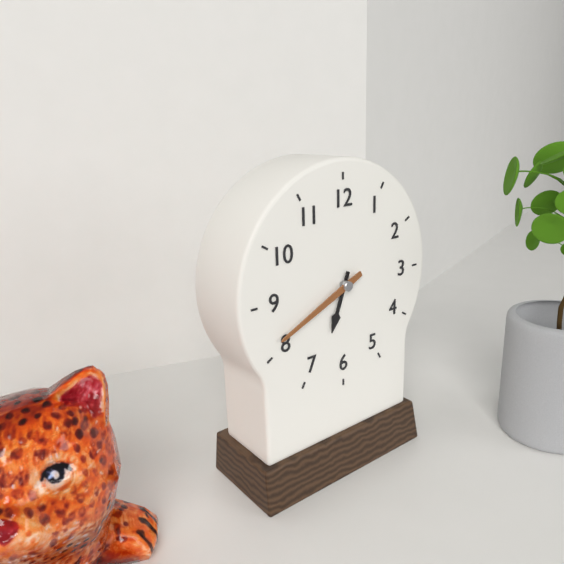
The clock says 6:41
